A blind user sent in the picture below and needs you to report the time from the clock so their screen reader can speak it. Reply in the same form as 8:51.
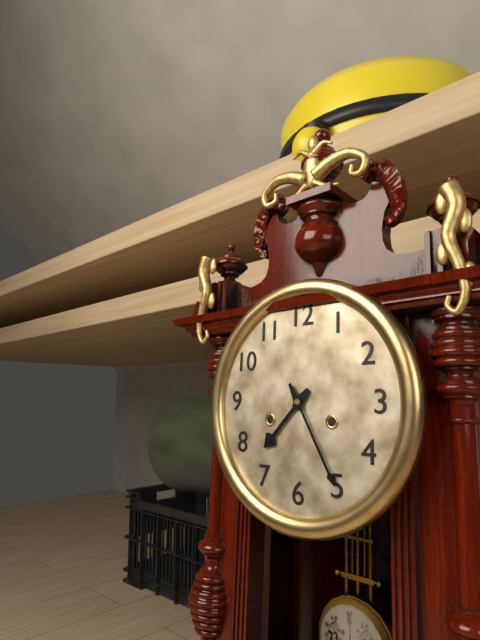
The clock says 7:25
